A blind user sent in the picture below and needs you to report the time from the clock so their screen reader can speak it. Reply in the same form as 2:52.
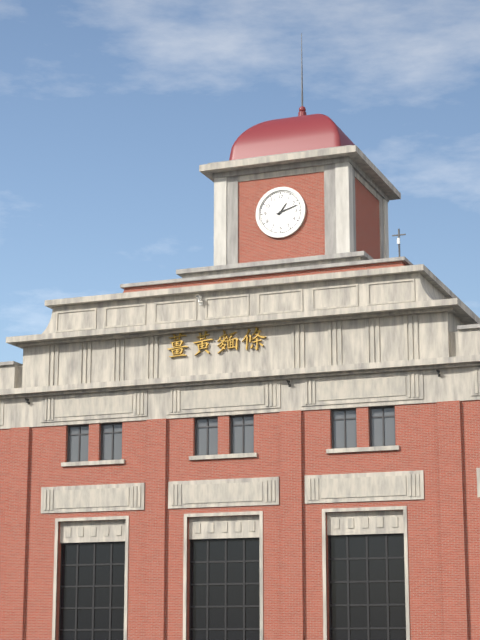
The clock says 1:12
